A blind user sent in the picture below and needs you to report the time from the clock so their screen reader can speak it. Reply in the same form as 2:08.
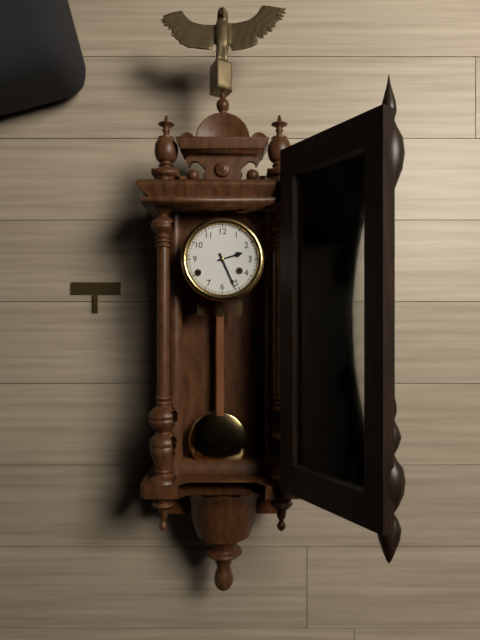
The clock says 2:26
